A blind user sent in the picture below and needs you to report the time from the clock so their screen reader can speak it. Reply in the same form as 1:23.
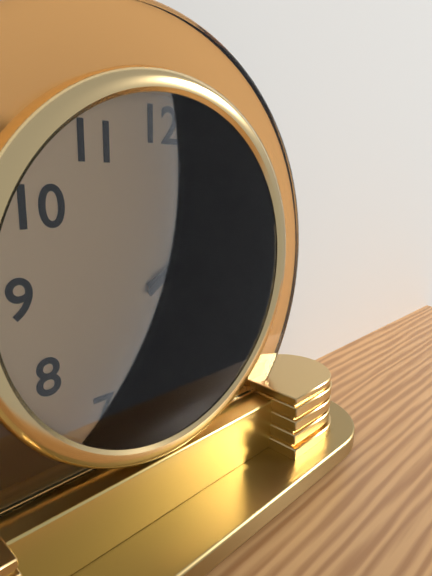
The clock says 2:09
